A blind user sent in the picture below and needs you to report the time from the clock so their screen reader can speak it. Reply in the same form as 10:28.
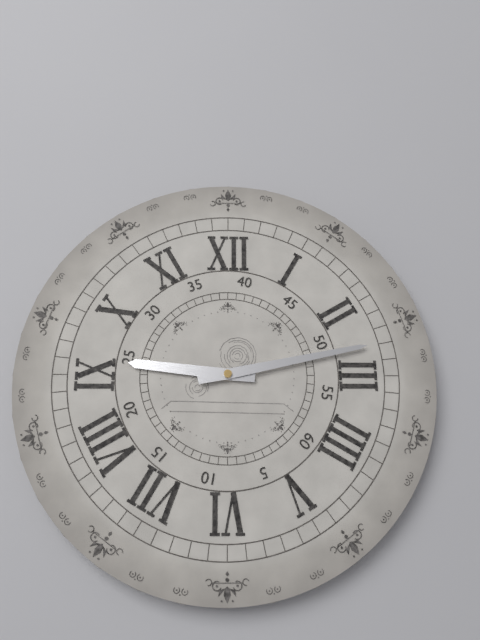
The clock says 9:13
